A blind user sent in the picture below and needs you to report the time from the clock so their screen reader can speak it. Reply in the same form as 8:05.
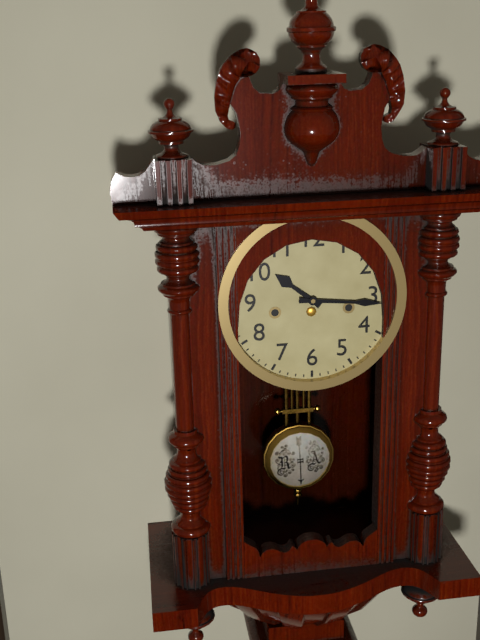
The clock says 10:16
